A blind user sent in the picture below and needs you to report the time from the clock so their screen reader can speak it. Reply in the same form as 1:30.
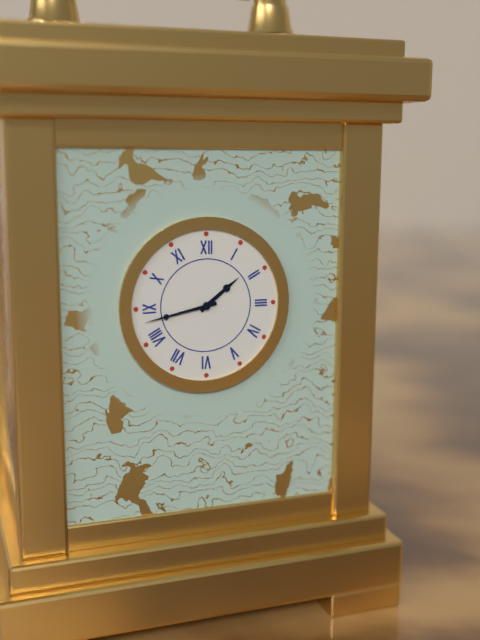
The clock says 1:43
